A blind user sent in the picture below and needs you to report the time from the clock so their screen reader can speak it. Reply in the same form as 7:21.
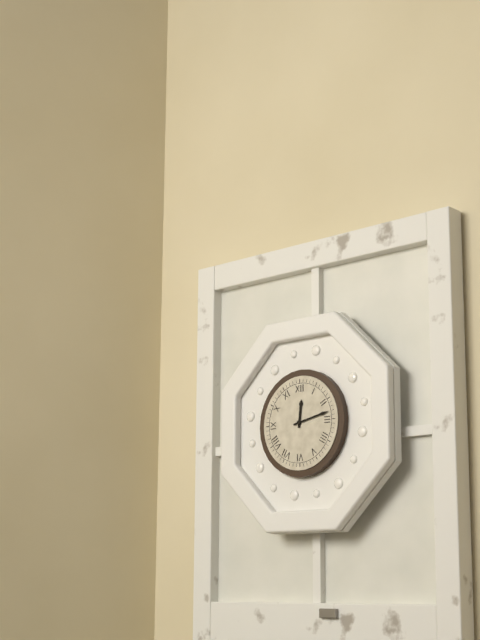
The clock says 12:13
